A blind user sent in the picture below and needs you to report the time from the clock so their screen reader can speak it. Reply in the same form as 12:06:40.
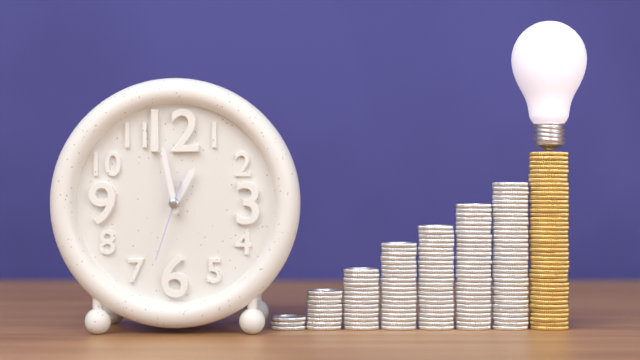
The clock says 12:58:33
